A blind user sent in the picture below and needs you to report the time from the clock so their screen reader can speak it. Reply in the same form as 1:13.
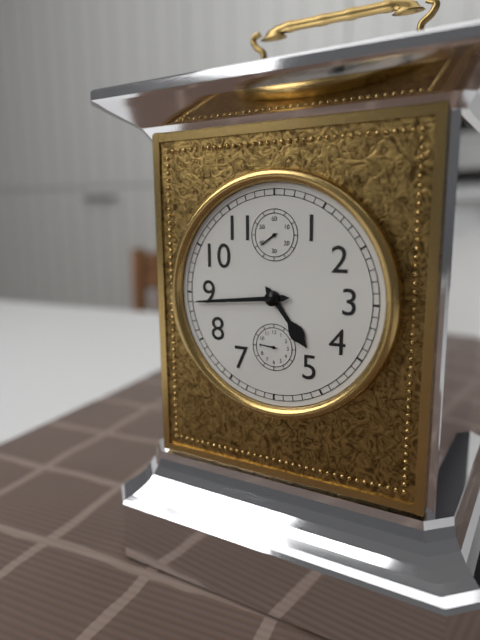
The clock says 4:44
